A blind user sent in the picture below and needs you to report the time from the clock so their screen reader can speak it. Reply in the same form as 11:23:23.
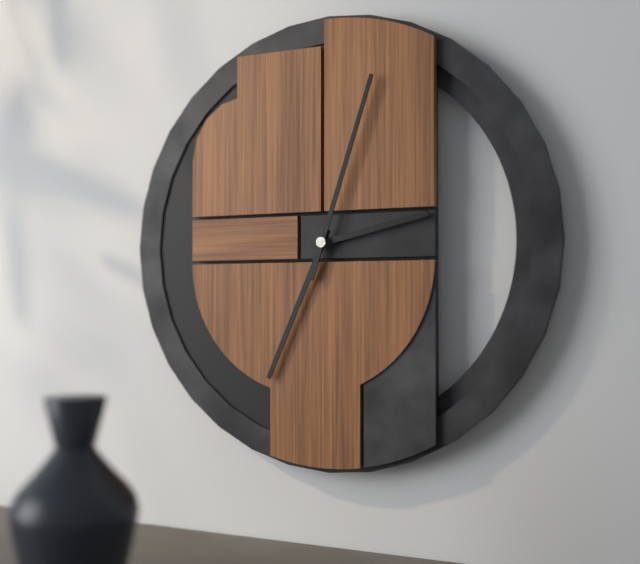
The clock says 2:34:03
